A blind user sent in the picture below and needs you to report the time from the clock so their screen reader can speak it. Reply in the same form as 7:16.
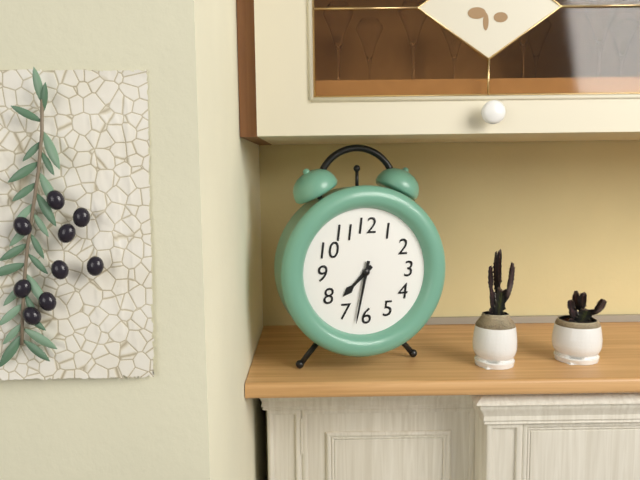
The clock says 7:32
